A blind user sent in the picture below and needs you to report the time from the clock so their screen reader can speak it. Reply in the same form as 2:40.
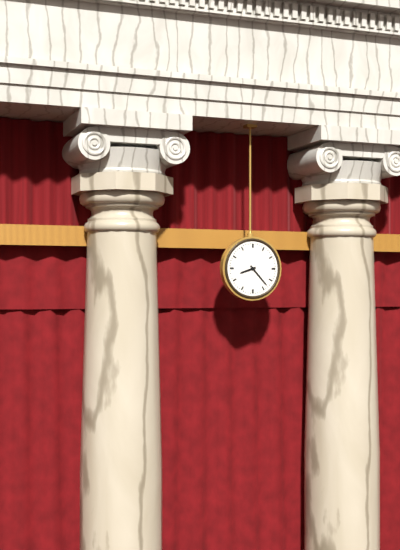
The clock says 8:23
